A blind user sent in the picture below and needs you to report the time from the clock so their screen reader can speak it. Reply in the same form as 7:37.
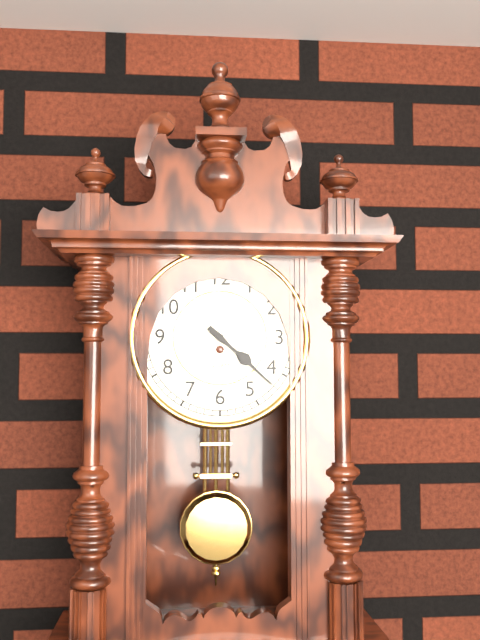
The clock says 4:22
